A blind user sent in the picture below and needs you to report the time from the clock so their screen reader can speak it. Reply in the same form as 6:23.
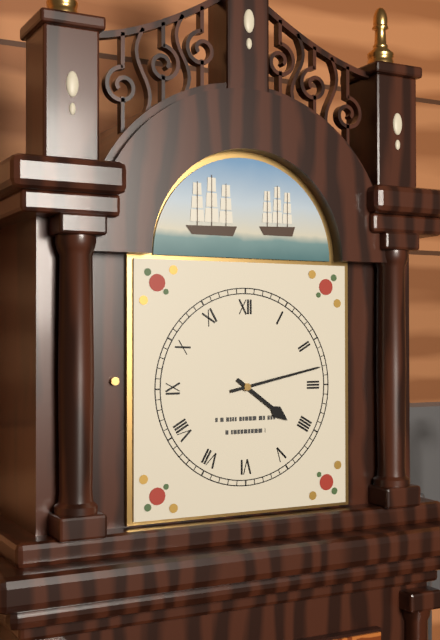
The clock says 4:13
